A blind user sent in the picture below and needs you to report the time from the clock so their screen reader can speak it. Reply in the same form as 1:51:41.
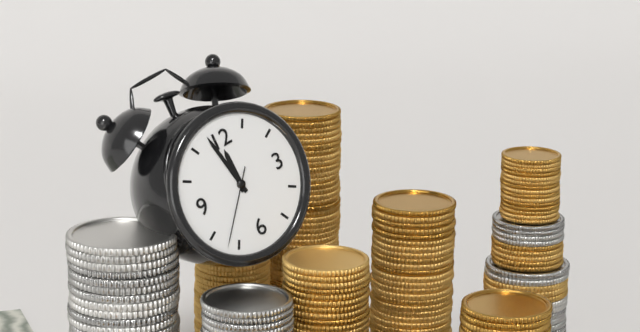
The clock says 11:58:37
